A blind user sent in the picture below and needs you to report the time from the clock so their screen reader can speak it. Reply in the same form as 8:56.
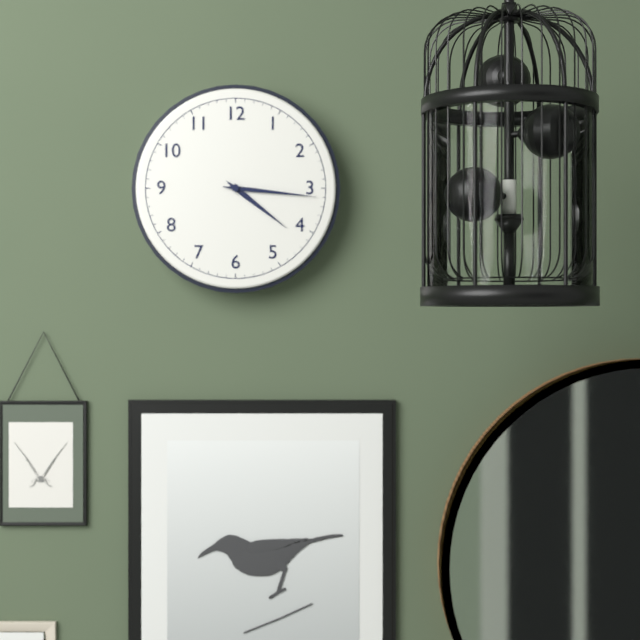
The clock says 4:16
